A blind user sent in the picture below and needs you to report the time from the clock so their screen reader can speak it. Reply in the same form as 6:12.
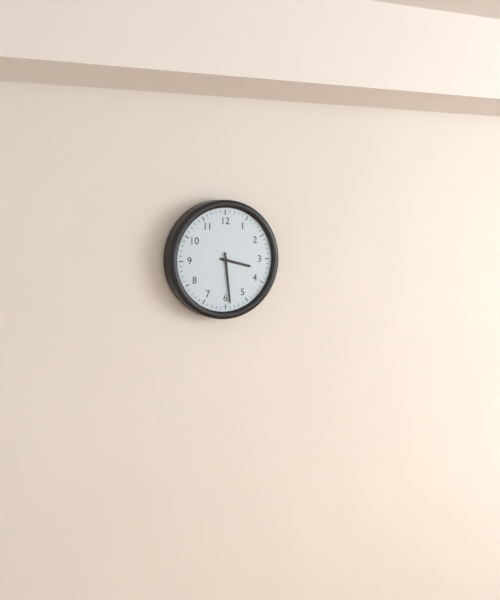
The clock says 3:29
